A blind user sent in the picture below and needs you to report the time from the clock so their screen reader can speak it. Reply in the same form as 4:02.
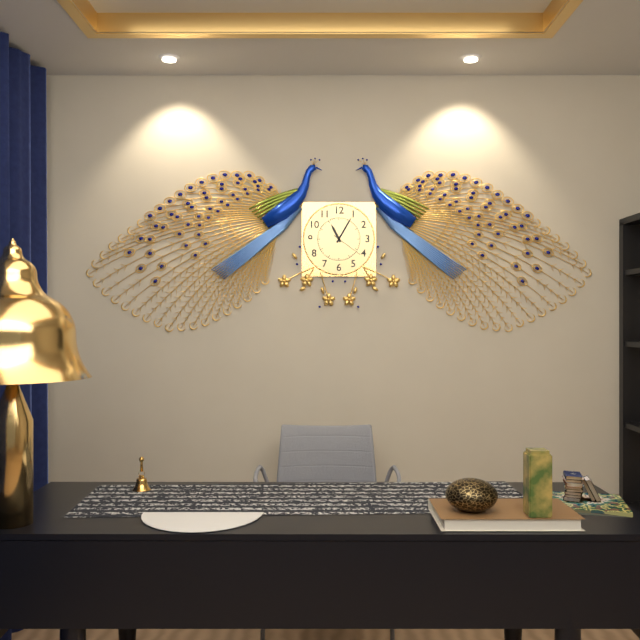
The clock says 11:05
